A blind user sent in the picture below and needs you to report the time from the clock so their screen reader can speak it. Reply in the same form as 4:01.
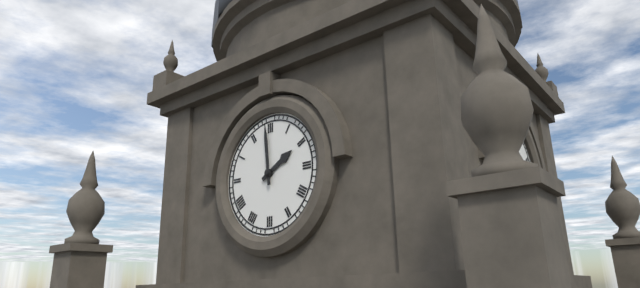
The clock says 1:59
